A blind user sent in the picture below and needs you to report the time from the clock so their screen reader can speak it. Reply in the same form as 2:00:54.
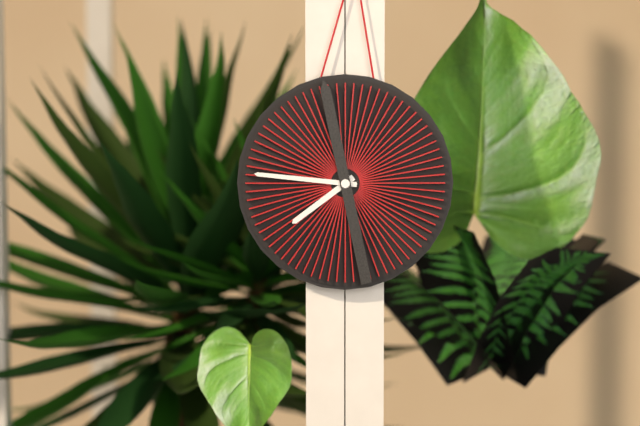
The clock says 7:46:58
